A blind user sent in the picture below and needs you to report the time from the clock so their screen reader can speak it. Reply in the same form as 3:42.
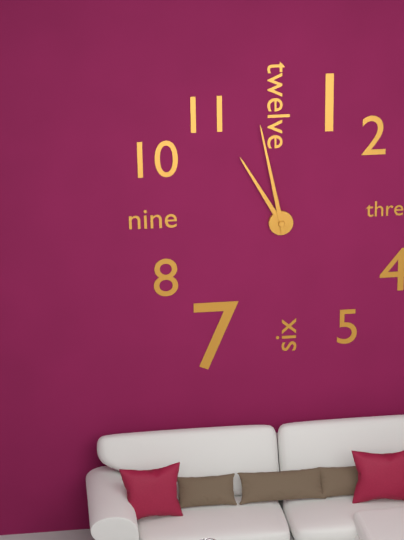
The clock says 10:58
